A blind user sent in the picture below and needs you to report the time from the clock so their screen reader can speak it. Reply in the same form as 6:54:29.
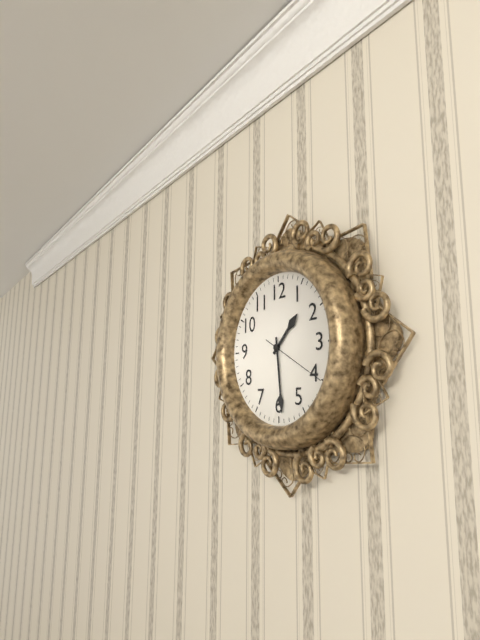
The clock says 1:29:20
